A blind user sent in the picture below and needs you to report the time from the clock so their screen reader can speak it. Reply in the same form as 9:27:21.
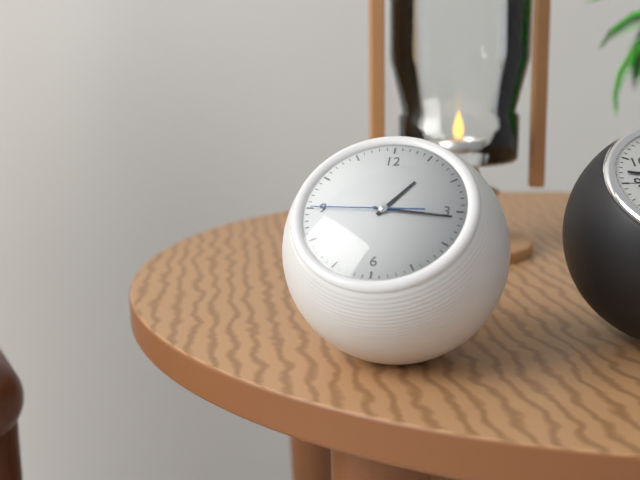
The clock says 1:16:45
